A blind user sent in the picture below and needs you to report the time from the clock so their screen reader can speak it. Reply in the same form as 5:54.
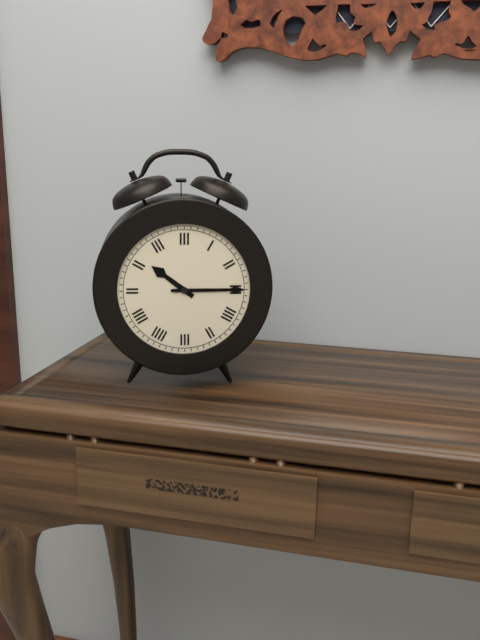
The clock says 10:15
